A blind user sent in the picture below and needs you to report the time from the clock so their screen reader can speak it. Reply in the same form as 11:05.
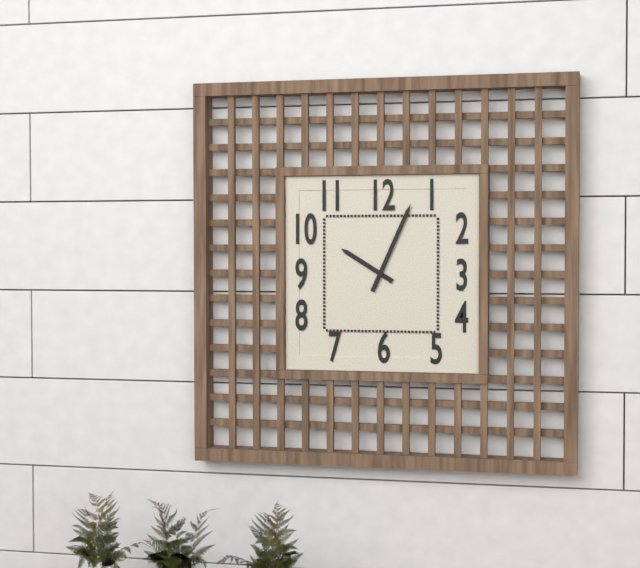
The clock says 10:04
